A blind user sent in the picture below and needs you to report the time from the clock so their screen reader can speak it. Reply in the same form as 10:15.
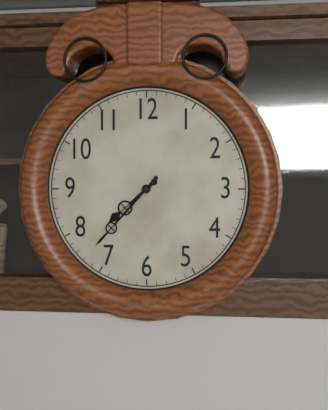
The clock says 7:37
